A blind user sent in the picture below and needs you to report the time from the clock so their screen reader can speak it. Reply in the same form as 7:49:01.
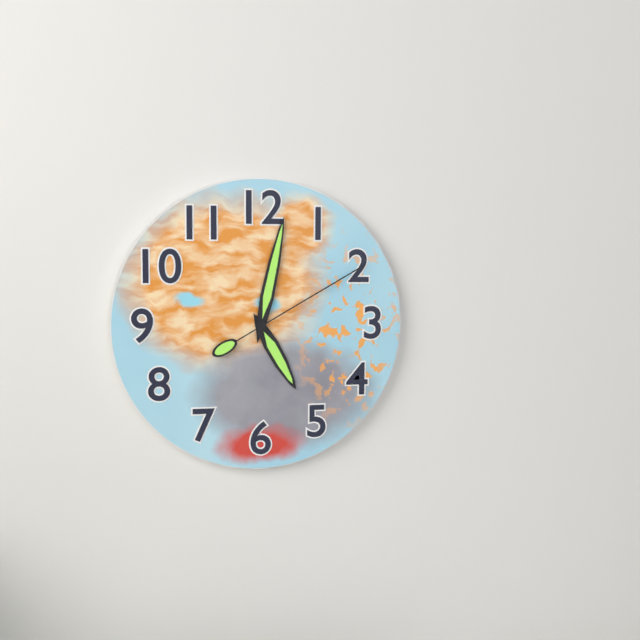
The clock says 5:02:10
